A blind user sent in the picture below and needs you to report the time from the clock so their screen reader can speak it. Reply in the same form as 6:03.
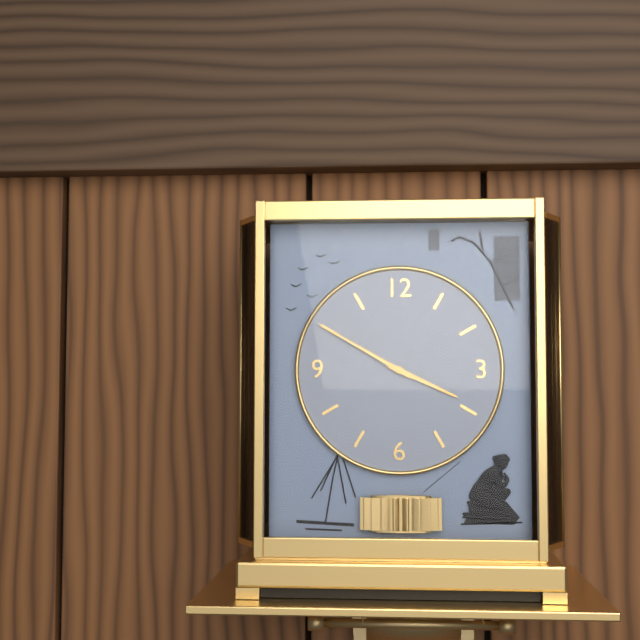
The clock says 3:50
